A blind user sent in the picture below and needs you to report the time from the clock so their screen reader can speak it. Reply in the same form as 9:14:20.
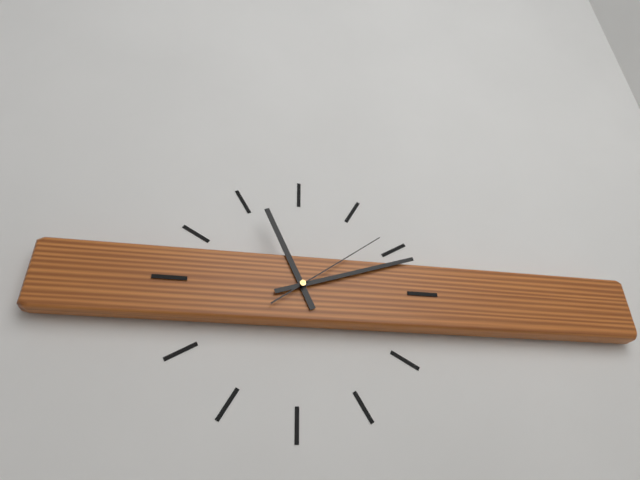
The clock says 11:12:09
